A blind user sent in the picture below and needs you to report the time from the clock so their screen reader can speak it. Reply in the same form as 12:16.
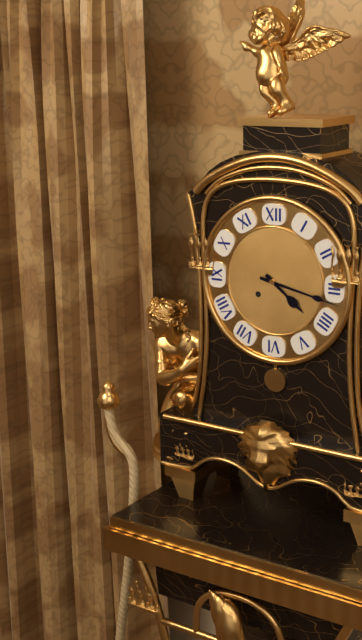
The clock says 4:17
